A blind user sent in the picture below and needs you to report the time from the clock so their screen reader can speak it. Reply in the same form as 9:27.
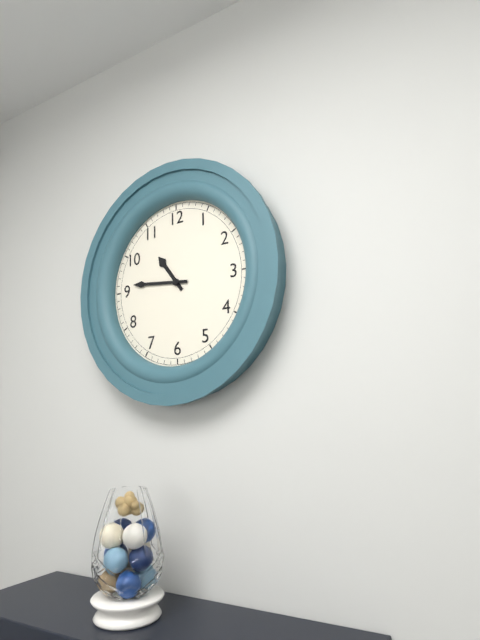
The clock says 10:46
